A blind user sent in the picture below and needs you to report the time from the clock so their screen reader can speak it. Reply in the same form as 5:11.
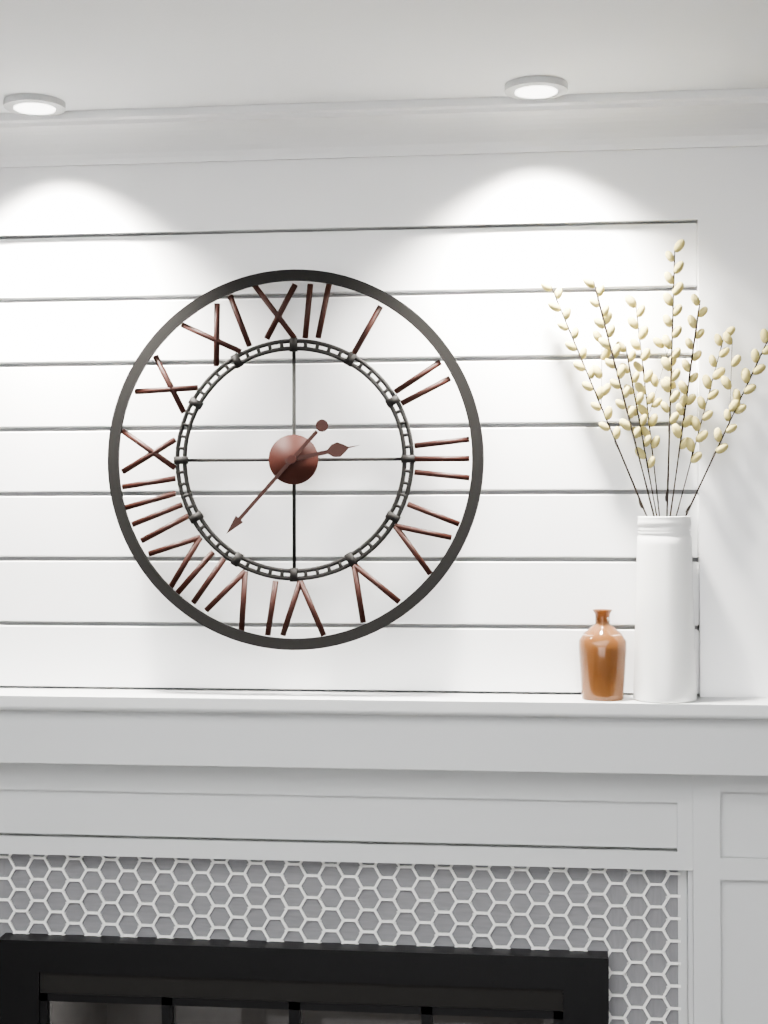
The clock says 2:37
